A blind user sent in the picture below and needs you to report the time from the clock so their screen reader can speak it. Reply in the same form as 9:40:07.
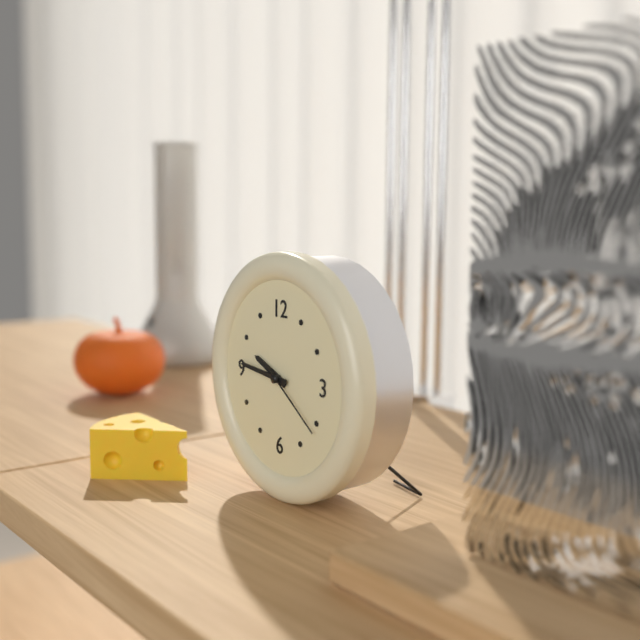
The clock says 9:46:21
